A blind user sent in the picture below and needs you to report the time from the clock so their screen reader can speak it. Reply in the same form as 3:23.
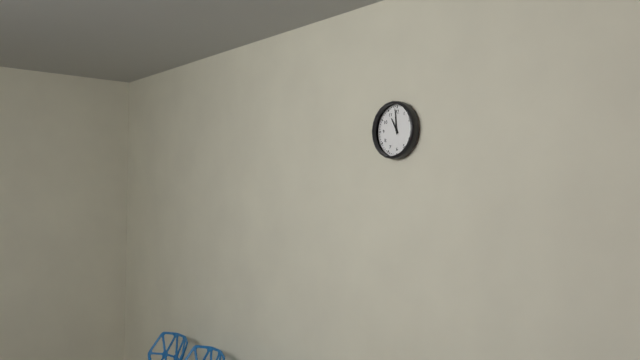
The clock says 10:59
